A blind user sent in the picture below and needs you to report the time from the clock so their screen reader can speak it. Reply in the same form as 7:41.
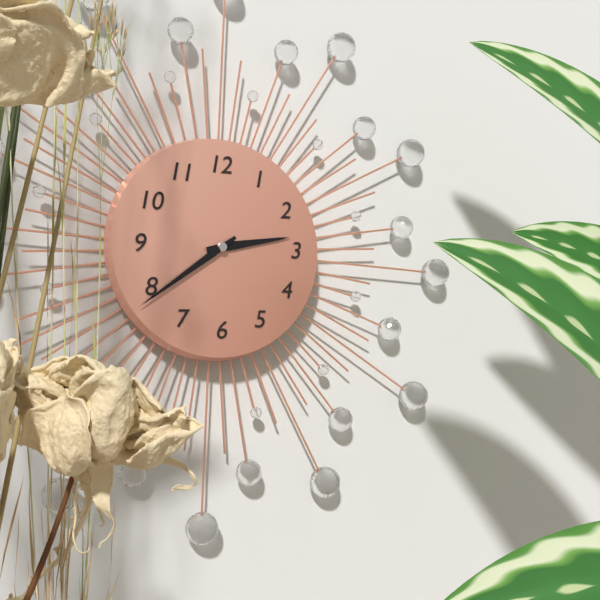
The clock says 2:39
